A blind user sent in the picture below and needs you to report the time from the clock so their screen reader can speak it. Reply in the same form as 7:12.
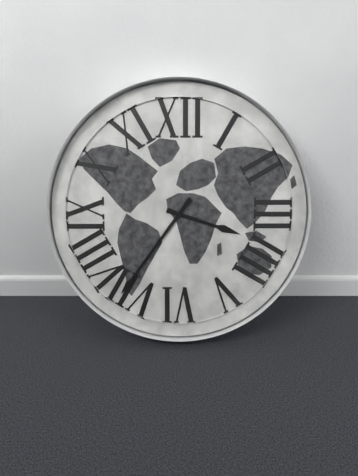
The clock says 3:36
